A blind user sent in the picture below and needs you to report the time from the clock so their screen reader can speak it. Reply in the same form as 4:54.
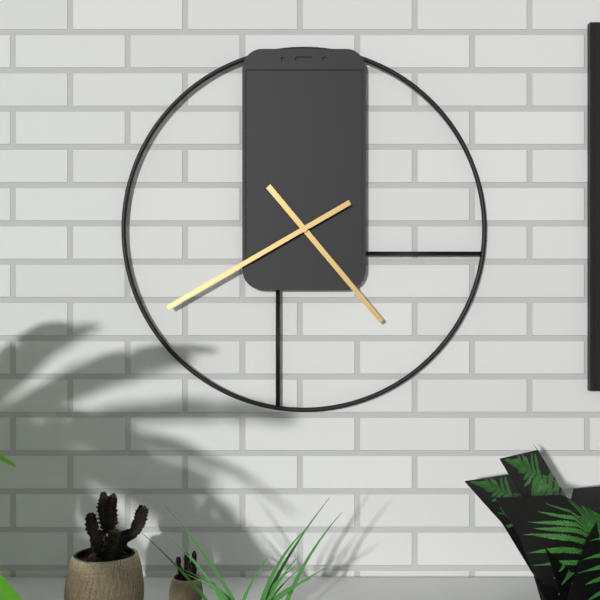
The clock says 4:40
